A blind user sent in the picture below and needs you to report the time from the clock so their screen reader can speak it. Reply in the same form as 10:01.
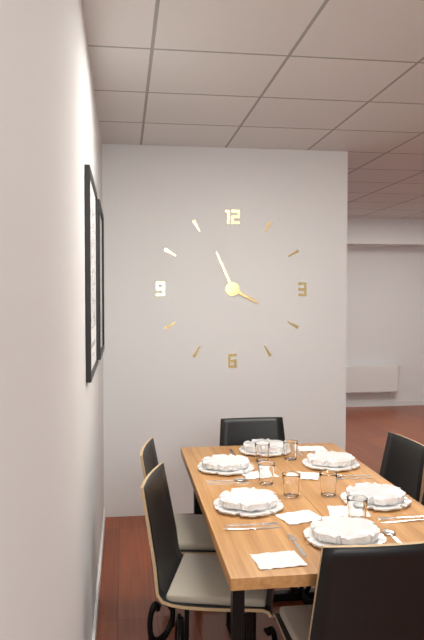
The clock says 3:56
